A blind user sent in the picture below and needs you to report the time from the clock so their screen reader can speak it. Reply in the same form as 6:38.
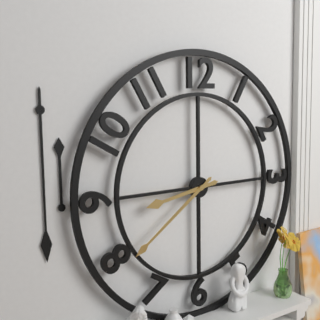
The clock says 8:39
